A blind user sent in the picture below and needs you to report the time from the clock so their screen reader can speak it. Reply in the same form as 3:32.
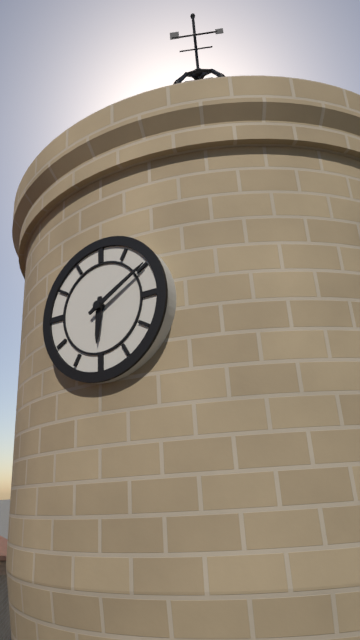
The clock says 6:10
